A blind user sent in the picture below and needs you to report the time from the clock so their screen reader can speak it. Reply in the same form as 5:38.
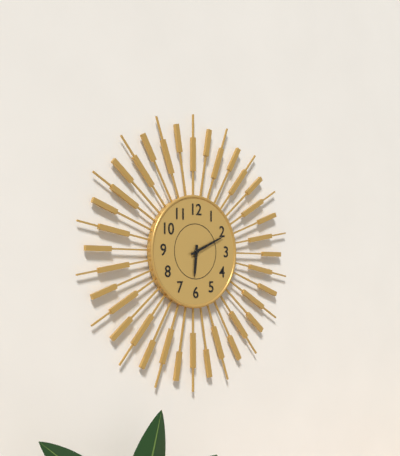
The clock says 6:11
